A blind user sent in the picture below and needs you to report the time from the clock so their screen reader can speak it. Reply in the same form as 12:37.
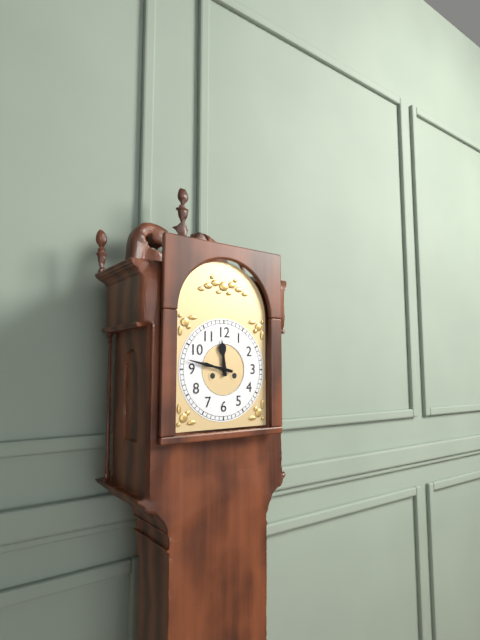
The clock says 11:47
